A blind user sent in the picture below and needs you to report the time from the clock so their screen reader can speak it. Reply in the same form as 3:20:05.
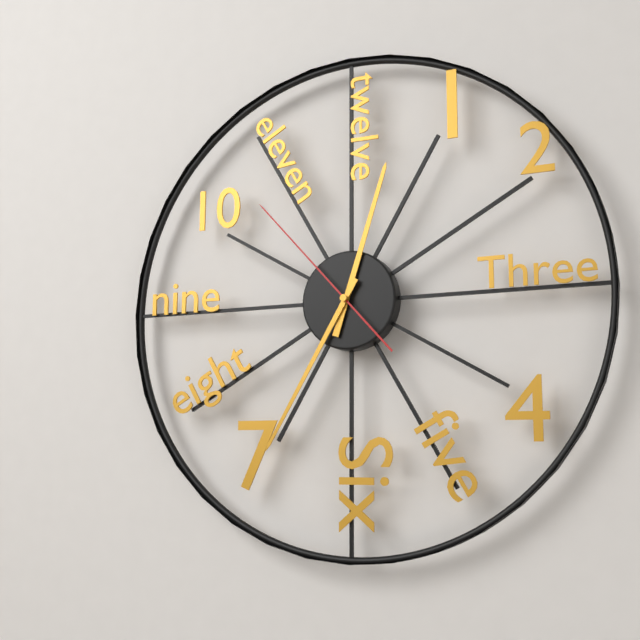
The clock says 12:35:53
